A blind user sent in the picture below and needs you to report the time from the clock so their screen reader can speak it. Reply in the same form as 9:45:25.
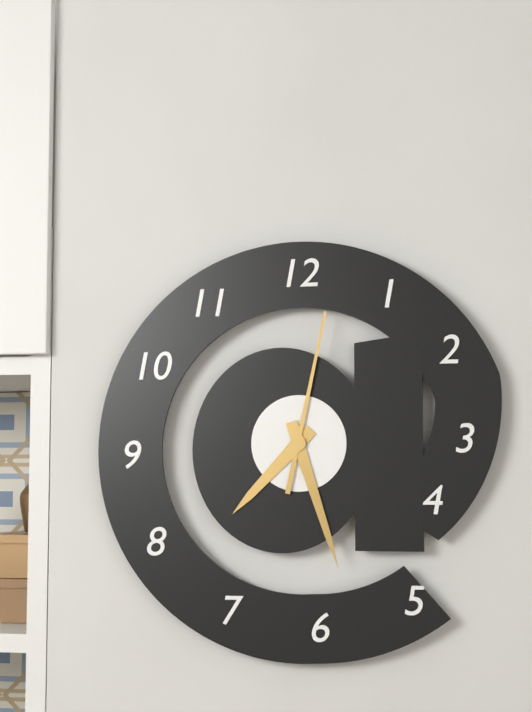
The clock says 7:27:02
